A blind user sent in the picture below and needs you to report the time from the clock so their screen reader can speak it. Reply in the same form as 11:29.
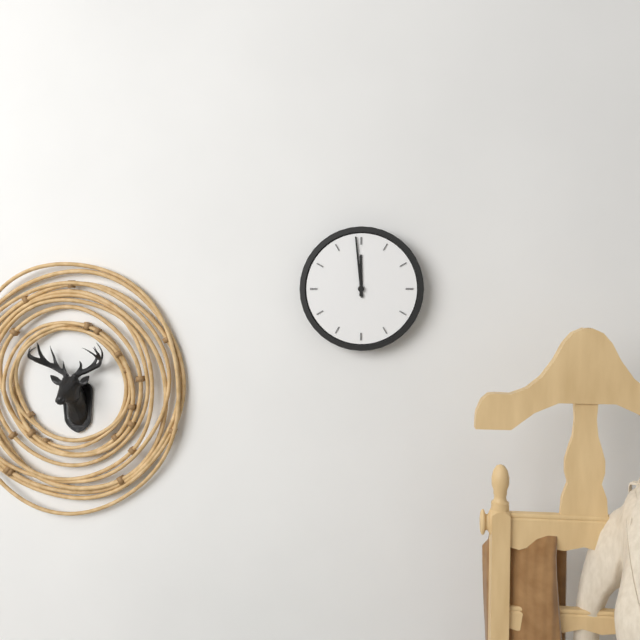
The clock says 11:59
